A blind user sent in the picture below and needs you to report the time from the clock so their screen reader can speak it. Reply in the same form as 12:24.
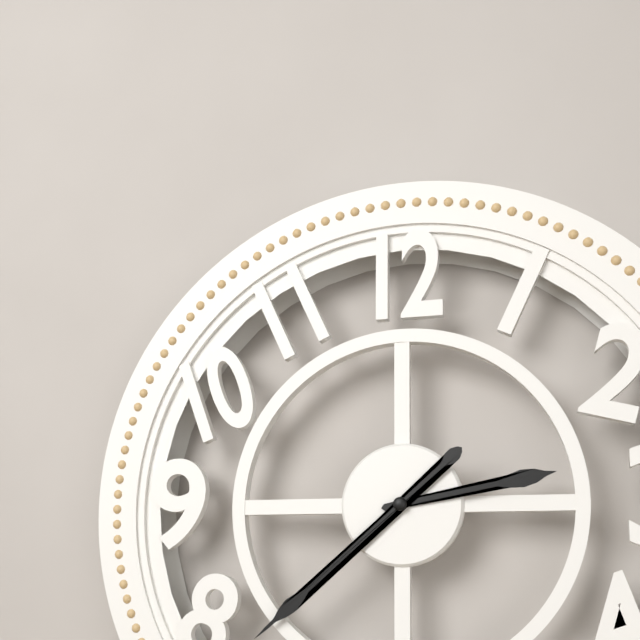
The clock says 2:38
